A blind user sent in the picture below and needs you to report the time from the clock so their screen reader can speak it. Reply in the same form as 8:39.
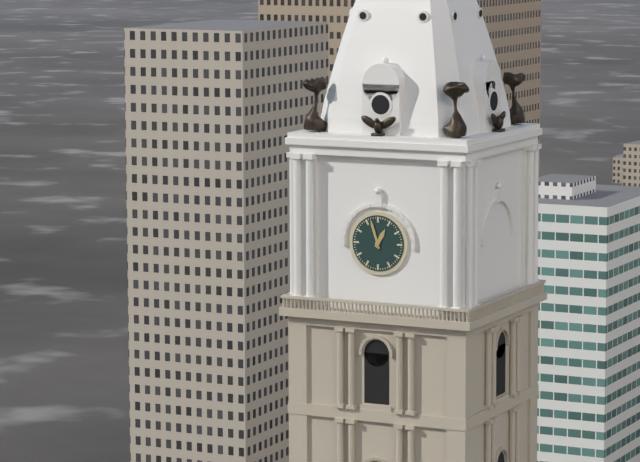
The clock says 12:57
